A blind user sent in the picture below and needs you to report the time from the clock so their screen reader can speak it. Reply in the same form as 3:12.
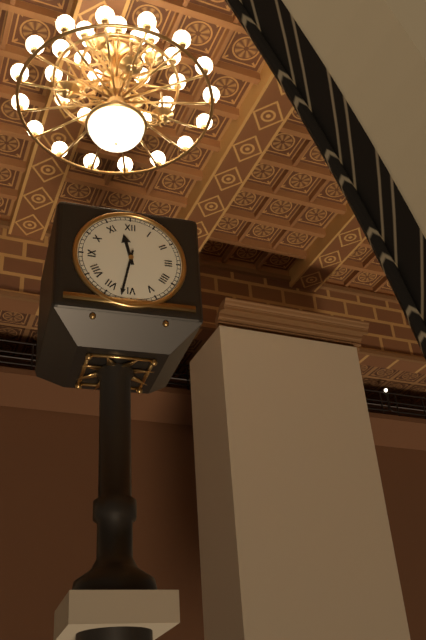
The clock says 11:32
